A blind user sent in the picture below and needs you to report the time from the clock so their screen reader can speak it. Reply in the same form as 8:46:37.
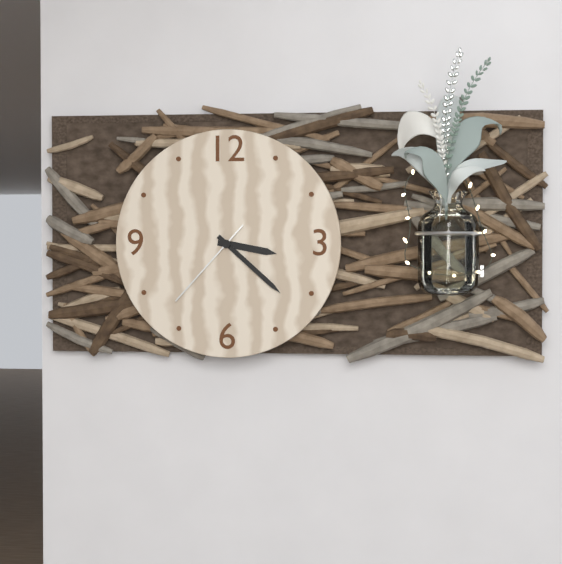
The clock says 3:22:37
